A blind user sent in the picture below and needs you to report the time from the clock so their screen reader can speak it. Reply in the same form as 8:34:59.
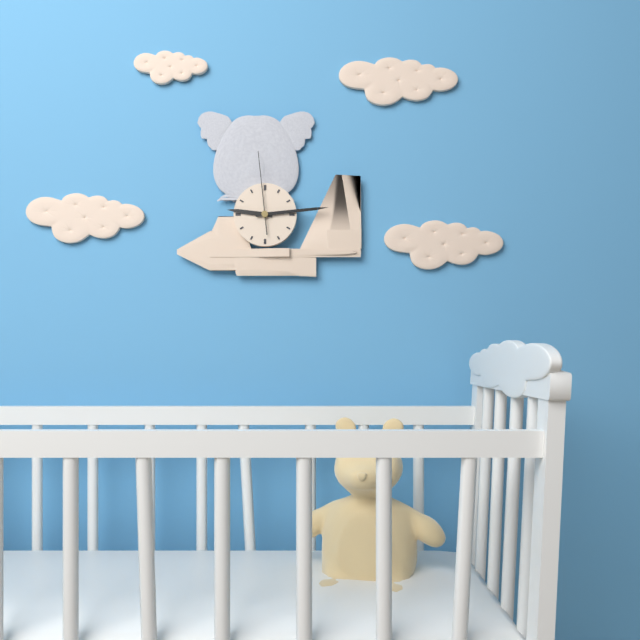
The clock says 9:14:59
